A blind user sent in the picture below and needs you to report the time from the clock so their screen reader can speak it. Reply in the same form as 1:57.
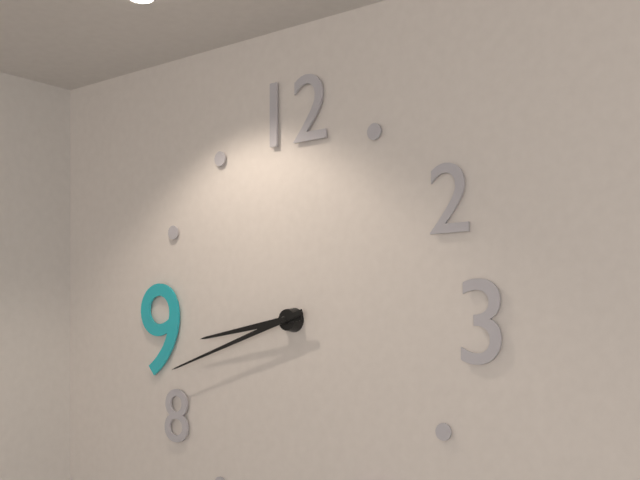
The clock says 8:42
